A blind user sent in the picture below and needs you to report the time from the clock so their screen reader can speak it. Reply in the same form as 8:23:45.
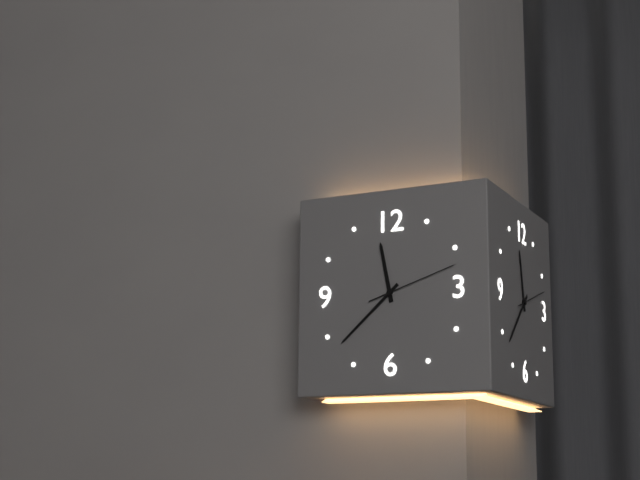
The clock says 11:38:12
